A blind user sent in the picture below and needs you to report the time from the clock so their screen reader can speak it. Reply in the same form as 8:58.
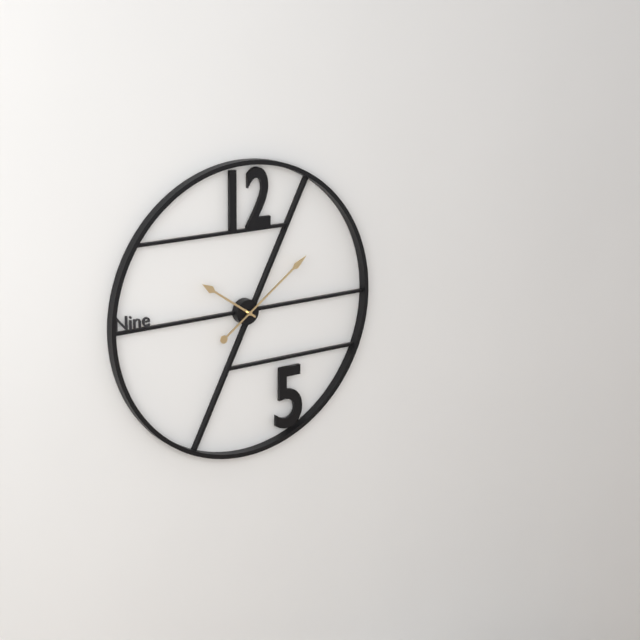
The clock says 10:09
